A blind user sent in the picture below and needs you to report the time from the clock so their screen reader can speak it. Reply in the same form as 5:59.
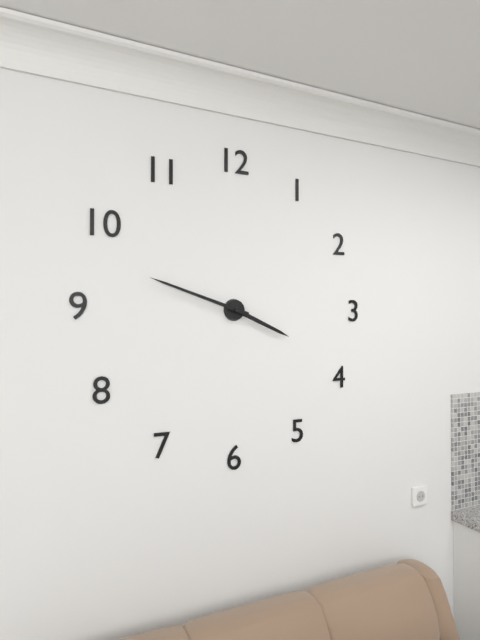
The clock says 3:48
